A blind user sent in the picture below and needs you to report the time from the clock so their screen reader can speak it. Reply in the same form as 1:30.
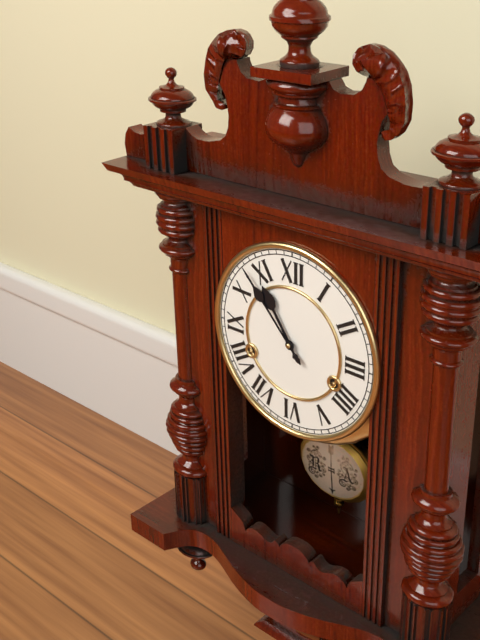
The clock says 10:53
